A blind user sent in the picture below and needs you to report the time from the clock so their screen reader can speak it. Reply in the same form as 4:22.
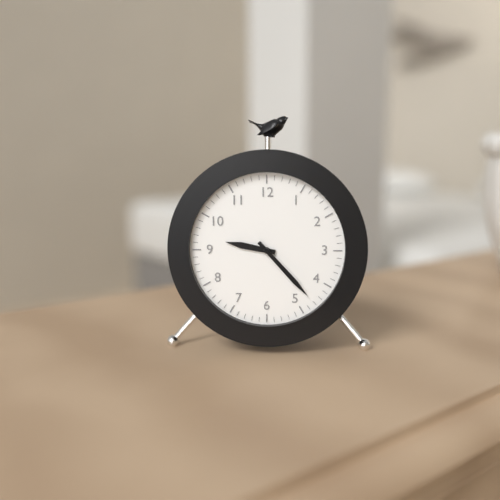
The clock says 9:23
